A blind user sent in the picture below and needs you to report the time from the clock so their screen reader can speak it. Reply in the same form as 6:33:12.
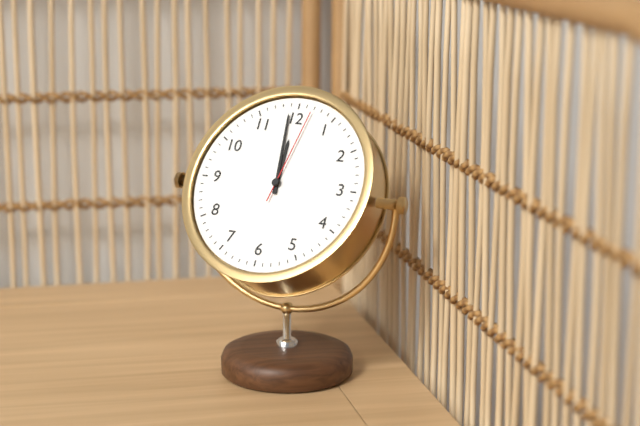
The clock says 11:59:02
